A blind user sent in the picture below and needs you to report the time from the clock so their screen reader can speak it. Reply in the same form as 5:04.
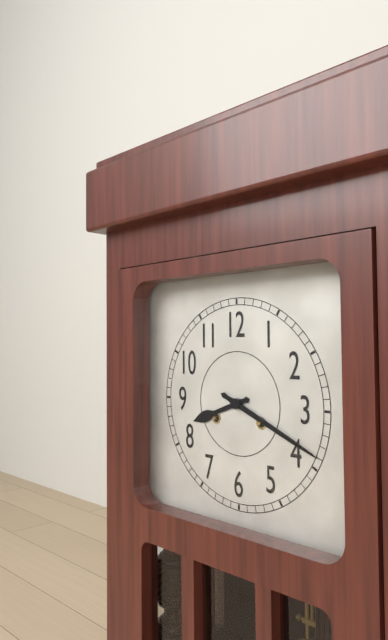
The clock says 8:19
